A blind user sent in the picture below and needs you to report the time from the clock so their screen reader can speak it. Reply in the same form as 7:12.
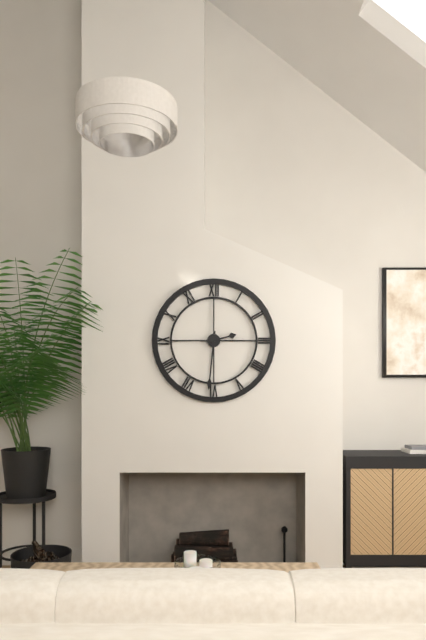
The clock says 2:31
